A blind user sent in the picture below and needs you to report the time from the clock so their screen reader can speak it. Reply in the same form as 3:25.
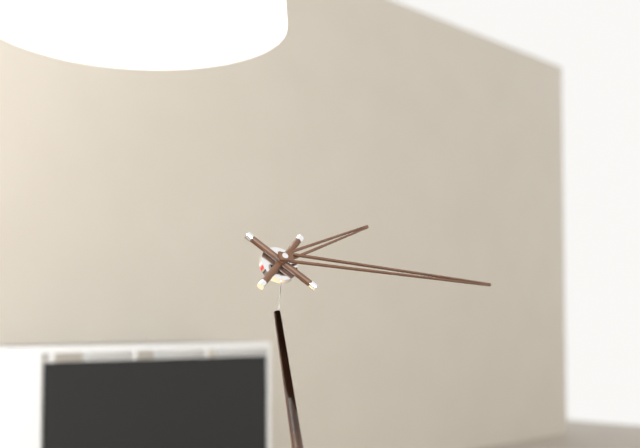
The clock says 2:16
